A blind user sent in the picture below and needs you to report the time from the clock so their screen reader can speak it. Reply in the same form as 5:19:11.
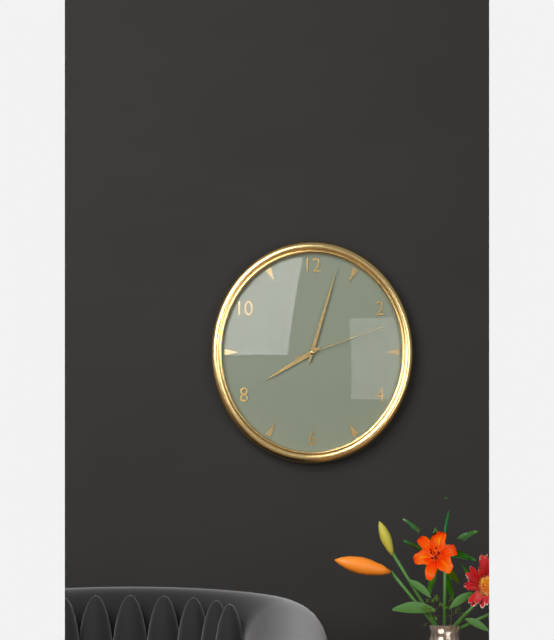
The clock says 8:03:12
